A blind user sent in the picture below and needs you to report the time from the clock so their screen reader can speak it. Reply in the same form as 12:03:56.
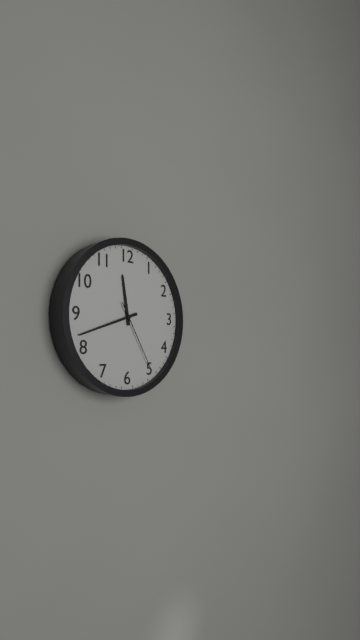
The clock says 11:42:25
